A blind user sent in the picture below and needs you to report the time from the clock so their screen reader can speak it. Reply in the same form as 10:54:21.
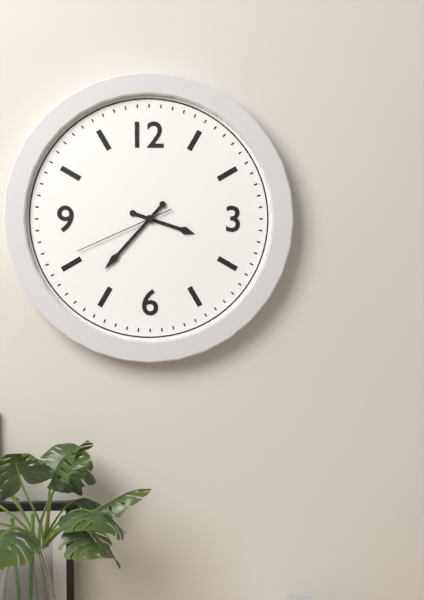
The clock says 3:37:41
